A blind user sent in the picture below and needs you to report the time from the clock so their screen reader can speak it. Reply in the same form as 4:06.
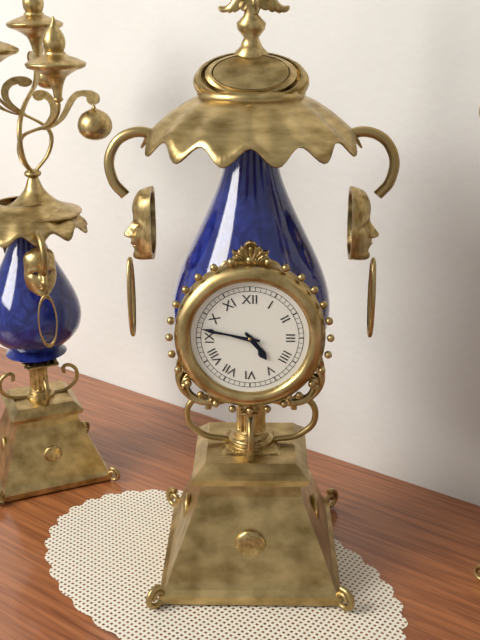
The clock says 4:47
